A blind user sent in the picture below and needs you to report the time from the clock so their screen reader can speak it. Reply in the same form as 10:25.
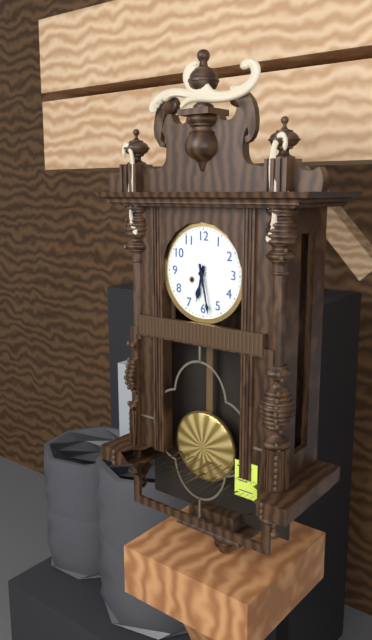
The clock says 6:28
